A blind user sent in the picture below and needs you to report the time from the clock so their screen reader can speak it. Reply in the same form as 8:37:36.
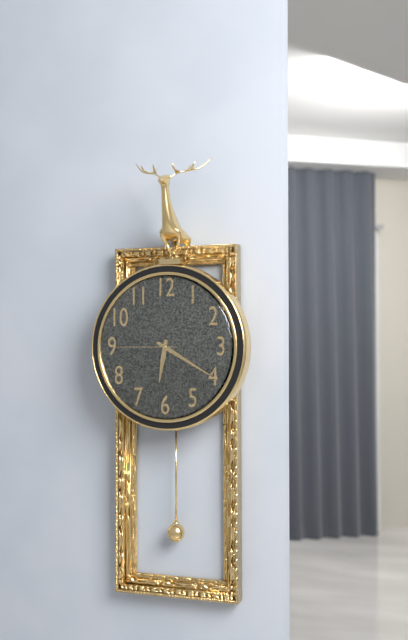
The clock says 6:20:45
